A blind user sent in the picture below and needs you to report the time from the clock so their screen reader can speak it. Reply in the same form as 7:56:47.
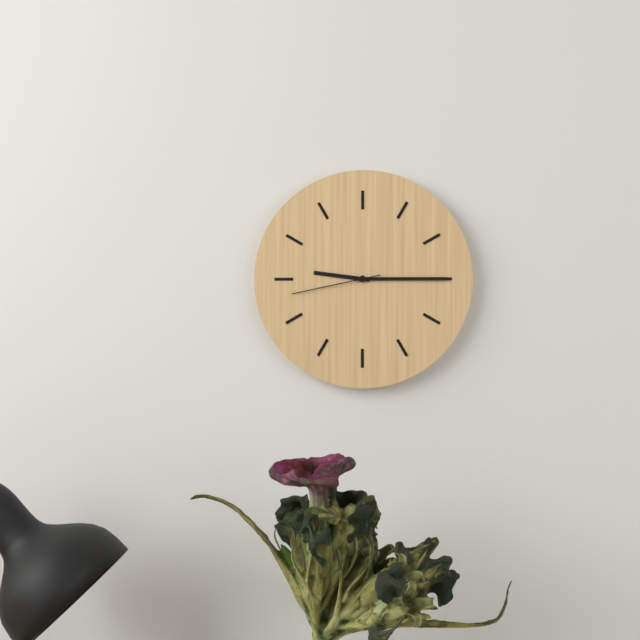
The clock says 9:15:43
